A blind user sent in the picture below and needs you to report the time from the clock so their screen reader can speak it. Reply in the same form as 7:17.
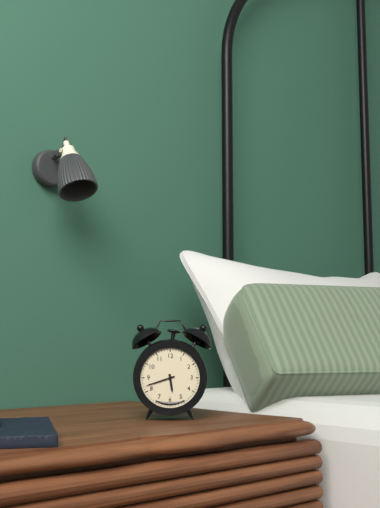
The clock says 5:42
